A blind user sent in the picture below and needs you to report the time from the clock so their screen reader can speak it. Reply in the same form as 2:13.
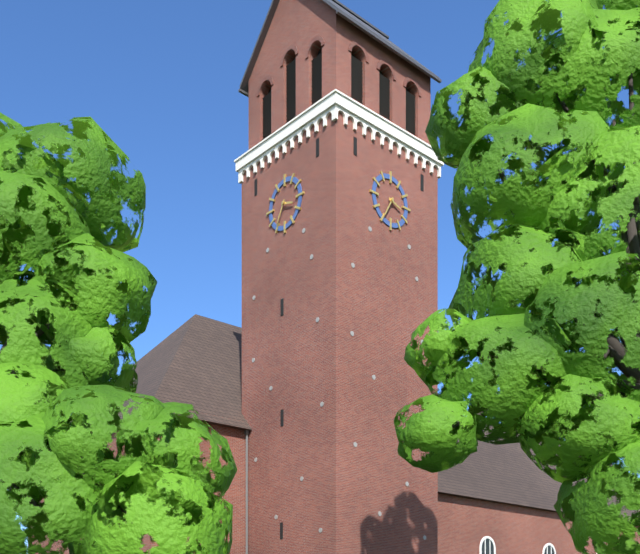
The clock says 3:35
